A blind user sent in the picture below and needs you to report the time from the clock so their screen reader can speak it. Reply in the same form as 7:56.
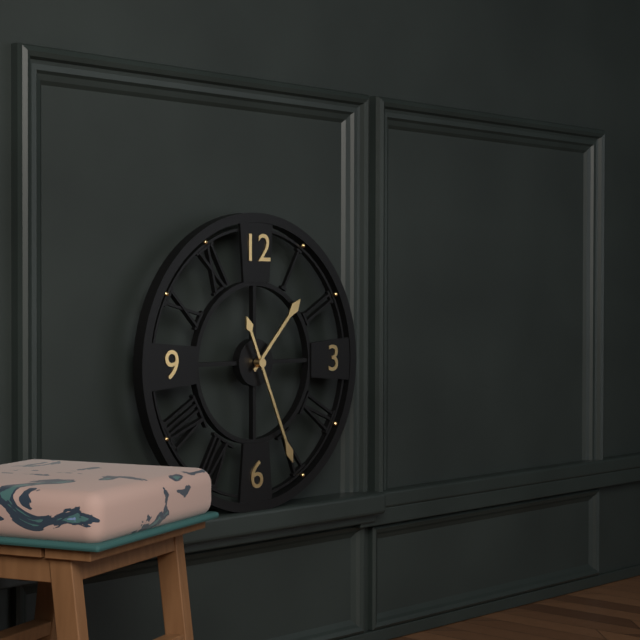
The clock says 1:26
